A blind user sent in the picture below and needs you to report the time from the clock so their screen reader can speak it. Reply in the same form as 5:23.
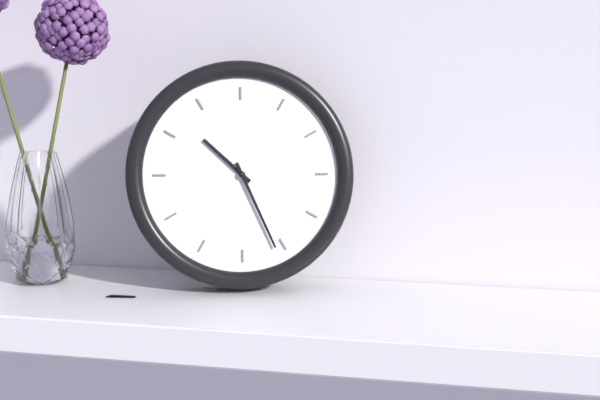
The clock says 10:26
